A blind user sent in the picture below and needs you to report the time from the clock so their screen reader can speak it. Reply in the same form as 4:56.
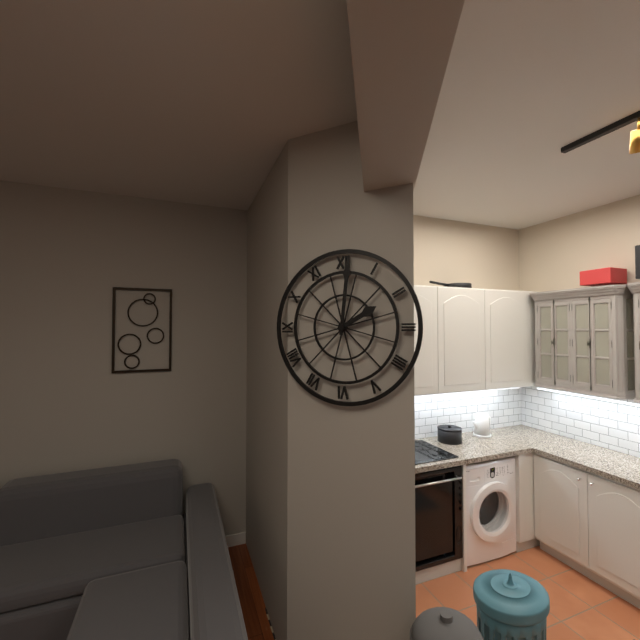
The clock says 2:01
